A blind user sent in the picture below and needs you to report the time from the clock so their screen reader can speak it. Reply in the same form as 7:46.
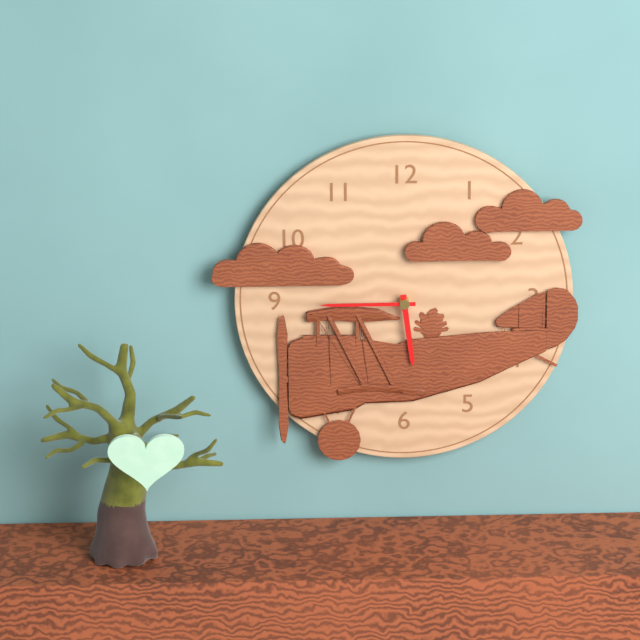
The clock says 5:45
